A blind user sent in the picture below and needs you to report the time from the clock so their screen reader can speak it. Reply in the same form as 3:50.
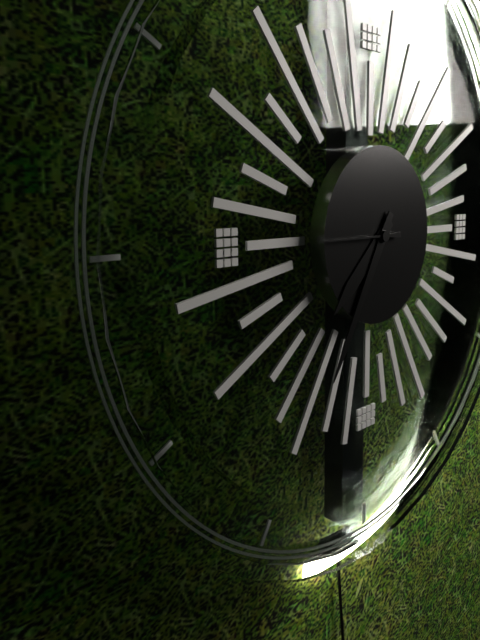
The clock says 7:35
